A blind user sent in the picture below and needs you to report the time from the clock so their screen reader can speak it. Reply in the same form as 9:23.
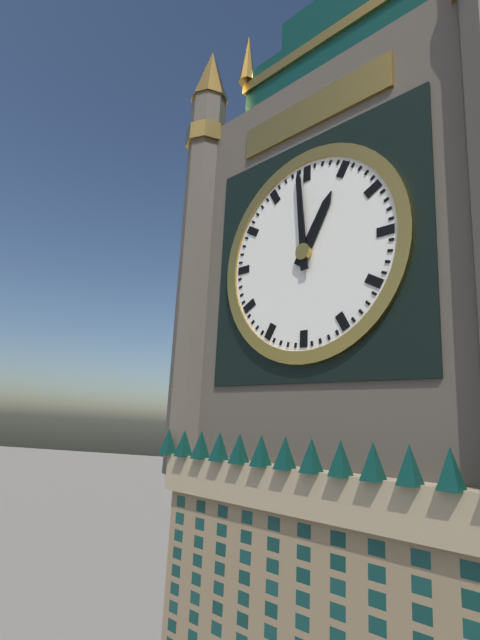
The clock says 12:59
